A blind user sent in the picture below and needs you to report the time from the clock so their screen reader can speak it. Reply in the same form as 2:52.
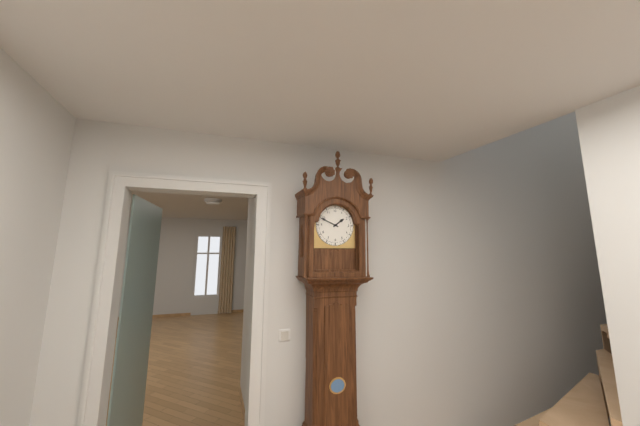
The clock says 1:49
